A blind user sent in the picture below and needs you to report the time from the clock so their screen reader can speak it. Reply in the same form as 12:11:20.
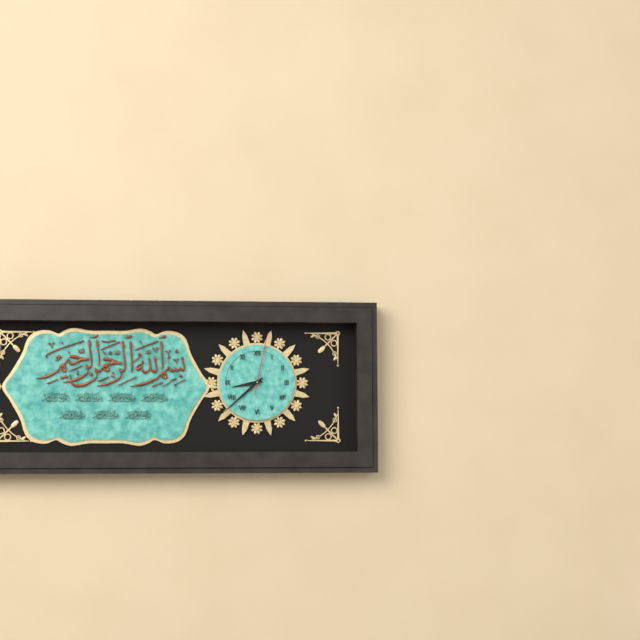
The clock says 8:38:02
